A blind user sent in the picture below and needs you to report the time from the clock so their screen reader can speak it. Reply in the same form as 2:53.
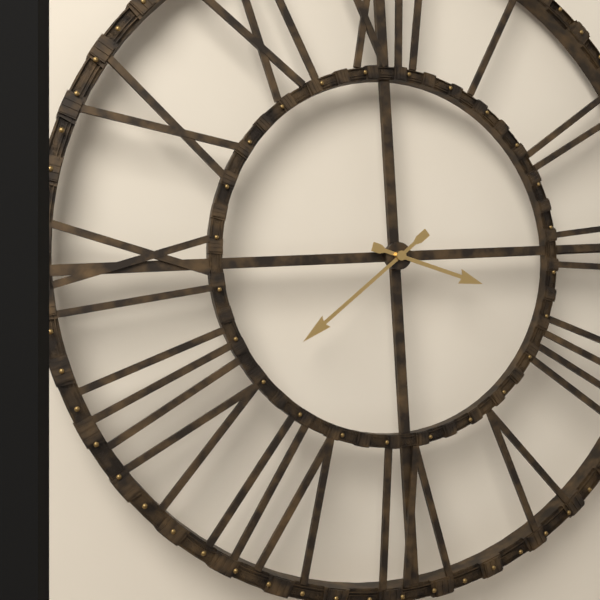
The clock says 3:39
